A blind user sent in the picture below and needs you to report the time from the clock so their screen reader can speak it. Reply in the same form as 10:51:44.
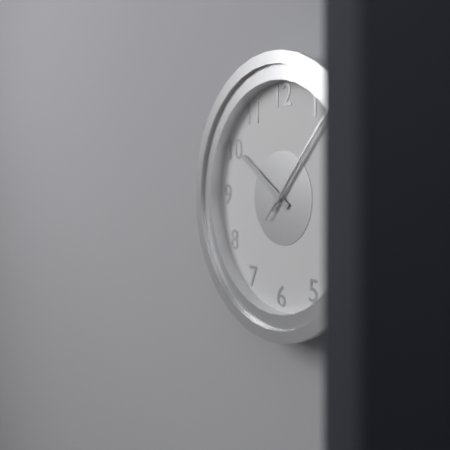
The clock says 10:07:07
